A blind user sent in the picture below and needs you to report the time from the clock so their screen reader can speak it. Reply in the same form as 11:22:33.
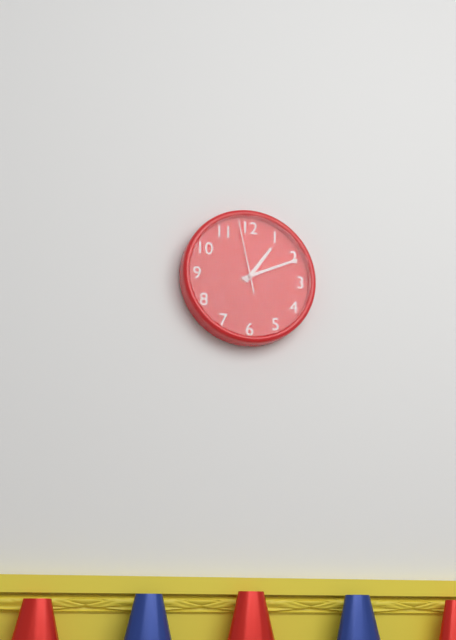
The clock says 1:11:58
